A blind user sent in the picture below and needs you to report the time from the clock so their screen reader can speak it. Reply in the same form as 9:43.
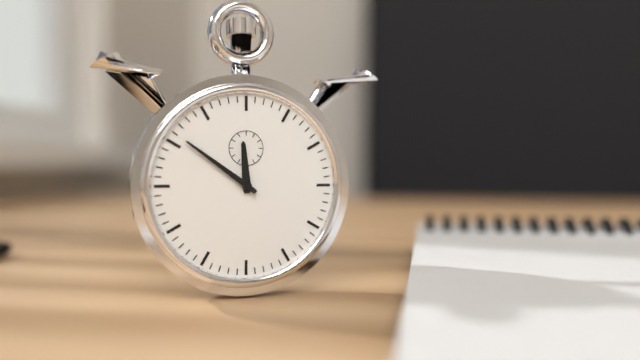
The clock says 11:51
